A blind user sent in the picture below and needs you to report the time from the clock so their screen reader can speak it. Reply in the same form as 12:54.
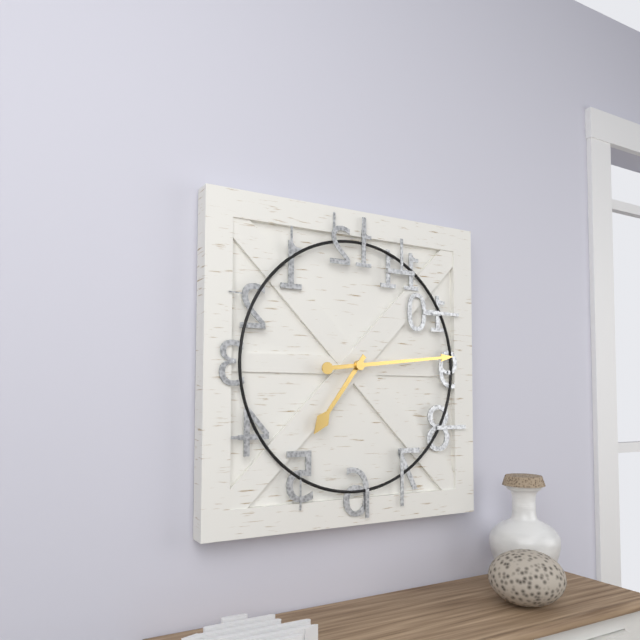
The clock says 7:14
